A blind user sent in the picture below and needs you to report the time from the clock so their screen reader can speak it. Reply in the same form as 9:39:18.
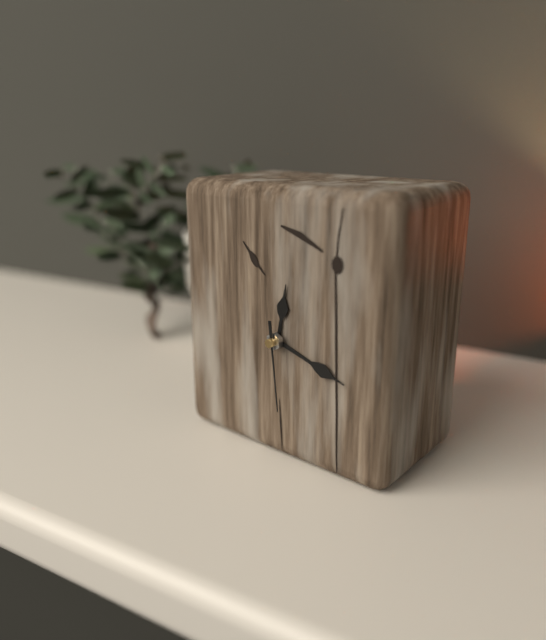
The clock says 12:18:29
